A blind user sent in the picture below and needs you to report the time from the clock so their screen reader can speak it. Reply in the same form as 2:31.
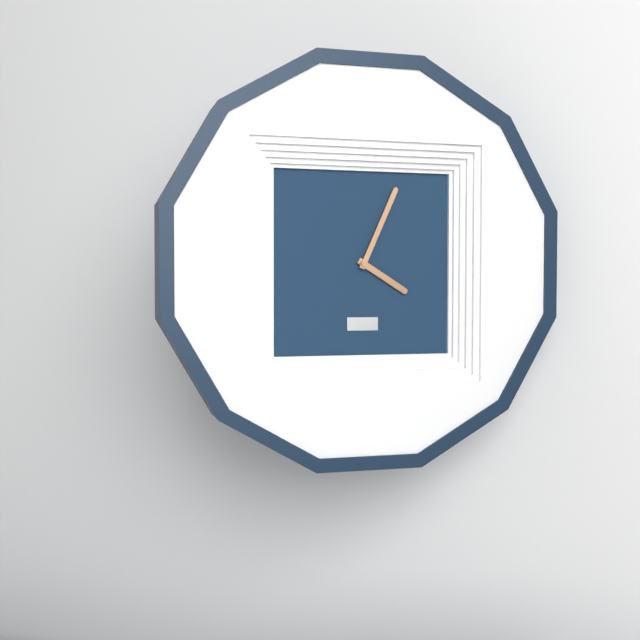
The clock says 4:04
